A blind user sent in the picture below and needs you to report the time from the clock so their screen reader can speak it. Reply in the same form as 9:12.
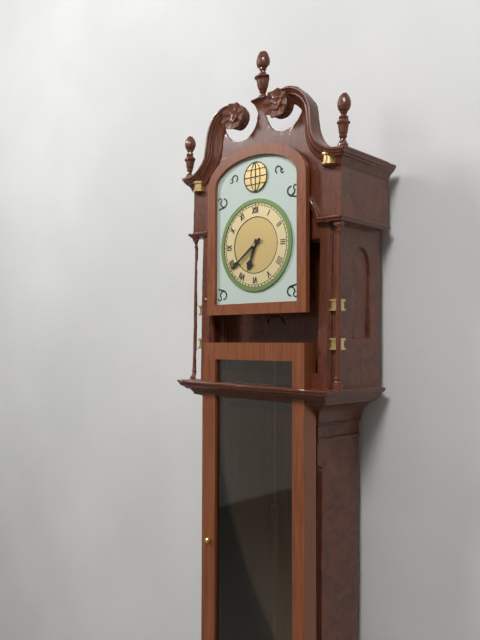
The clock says 6:39
